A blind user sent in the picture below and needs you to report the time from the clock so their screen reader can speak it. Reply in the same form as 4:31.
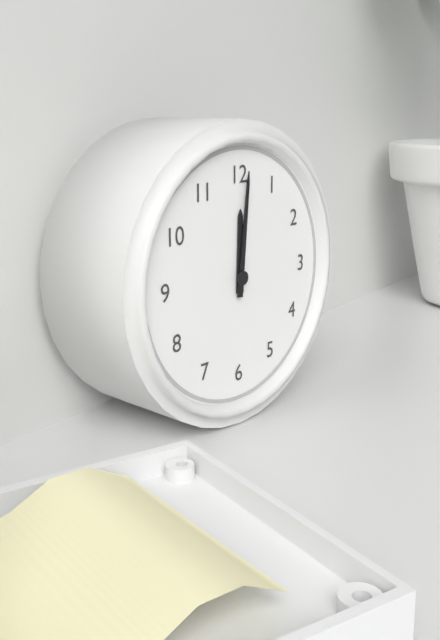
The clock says 12:01
